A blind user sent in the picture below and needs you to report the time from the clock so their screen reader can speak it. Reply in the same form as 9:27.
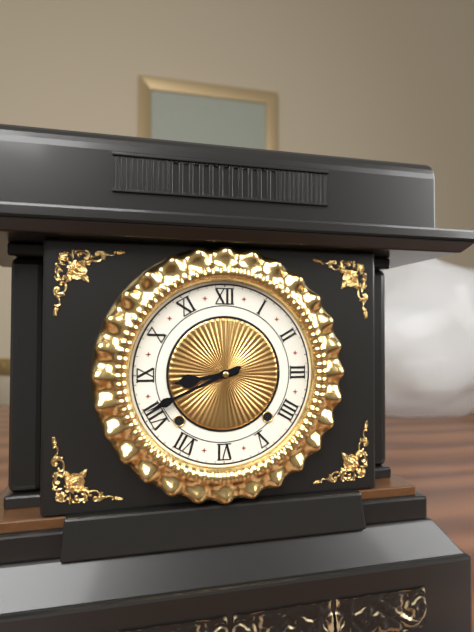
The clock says 8:41
